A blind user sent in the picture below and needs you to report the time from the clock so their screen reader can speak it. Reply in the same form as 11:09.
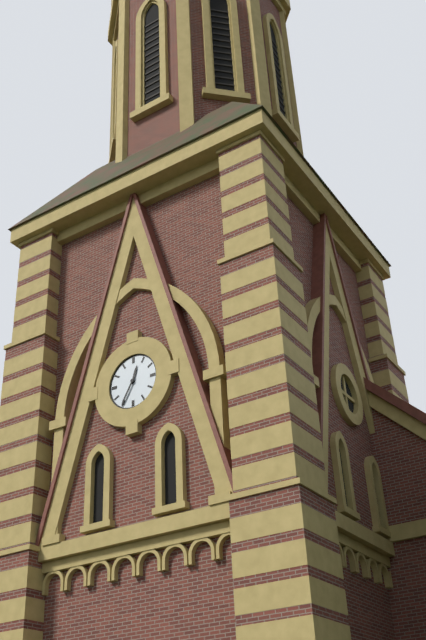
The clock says 12:35
